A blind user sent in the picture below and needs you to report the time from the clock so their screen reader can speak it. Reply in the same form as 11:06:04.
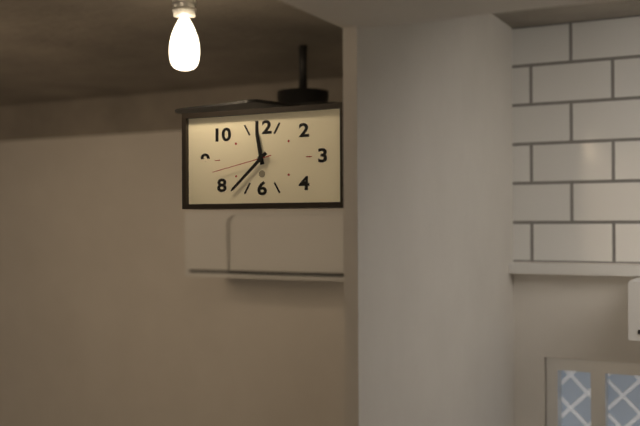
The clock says 11:38:43
